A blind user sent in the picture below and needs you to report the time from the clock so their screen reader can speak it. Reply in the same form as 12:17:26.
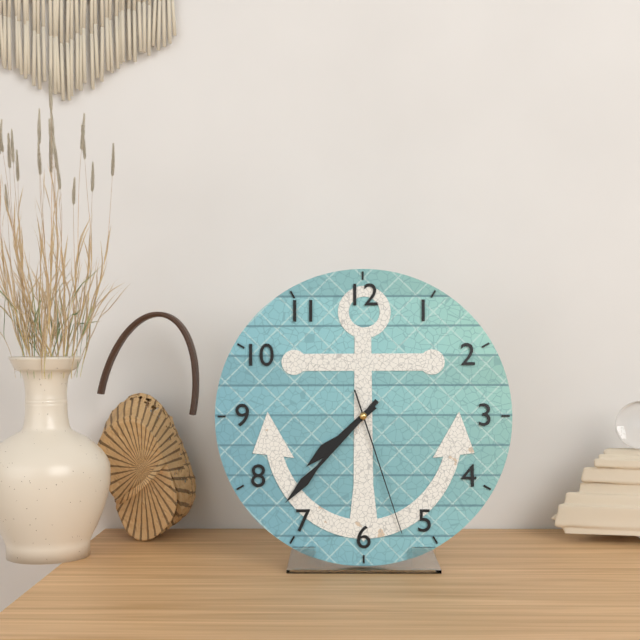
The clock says 7:37:27
